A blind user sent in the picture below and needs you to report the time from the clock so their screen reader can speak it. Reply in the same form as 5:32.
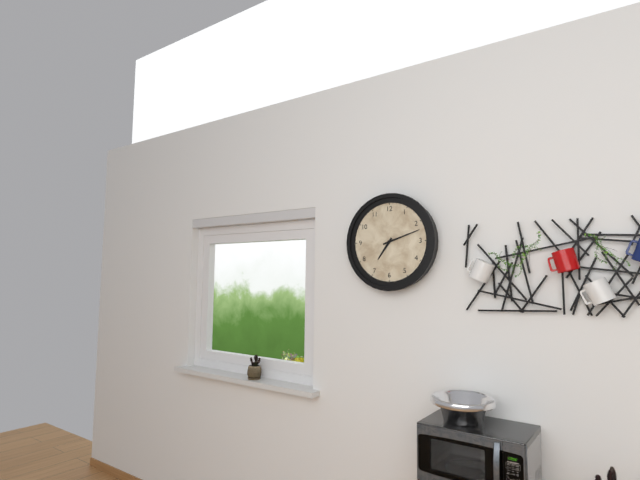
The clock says 7:12
